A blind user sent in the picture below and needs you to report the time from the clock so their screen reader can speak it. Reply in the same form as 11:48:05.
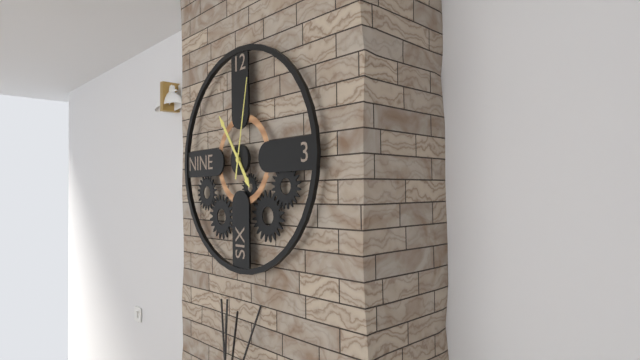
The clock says 4:54:02
